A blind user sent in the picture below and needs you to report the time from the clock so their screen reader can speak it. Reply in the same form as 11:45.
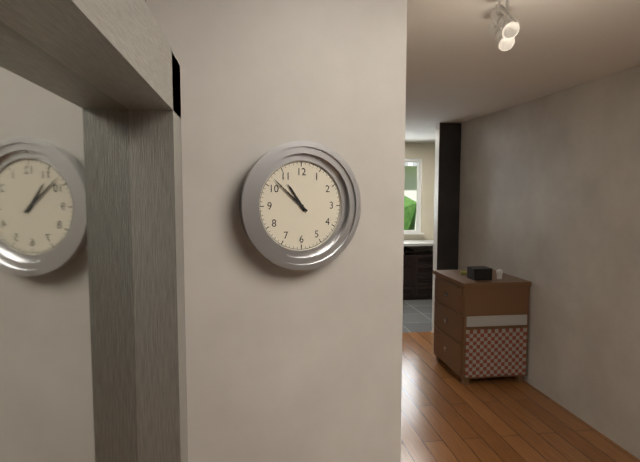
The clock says 10:52
